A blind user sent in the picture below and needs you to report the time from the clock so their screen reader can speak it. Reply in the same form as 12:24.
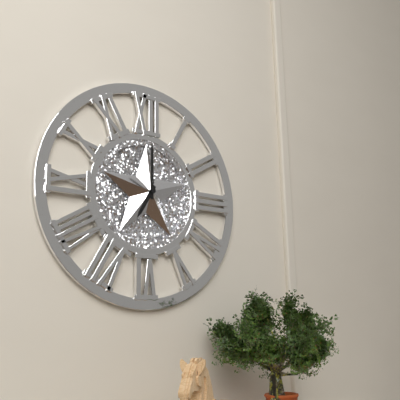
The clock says 7:00
